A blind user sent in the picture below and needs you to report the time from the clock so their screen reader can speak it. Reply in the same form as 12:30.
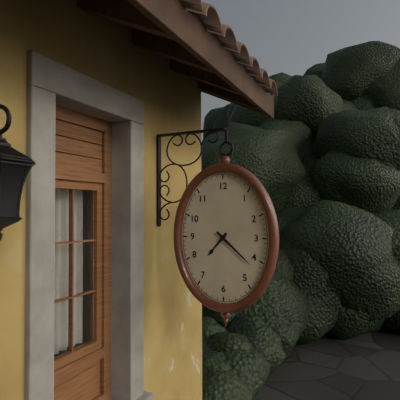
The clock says 7:22
